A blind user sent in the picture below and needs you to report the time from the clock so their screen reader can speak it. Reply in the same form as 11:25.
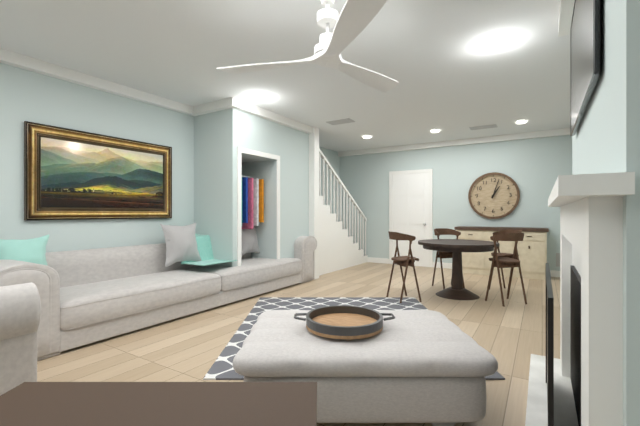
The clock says 1:03
